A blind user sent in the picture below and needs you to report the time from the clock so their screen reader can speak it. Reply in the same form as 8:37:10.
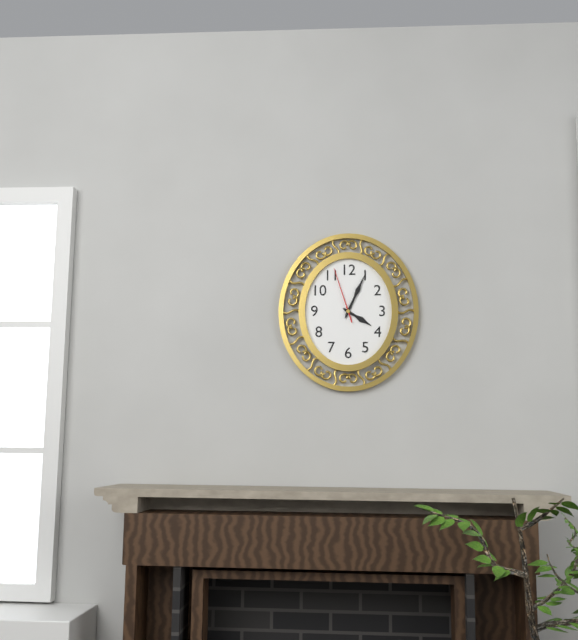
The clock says 4:04:57
